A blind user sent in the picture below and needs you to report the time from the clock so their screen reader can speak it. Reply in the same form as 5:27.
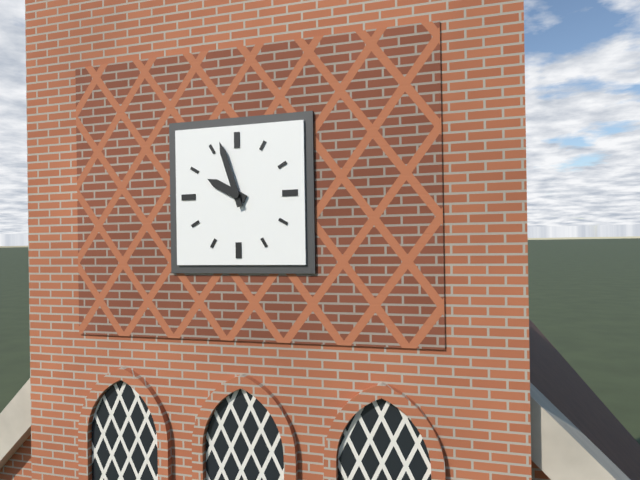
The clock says 9:57
